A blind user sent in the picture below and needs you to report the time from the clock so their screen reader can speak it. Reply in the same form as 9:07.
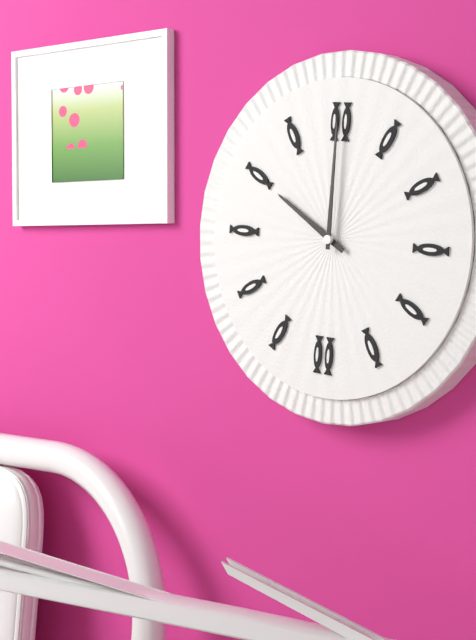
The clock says 10:00
